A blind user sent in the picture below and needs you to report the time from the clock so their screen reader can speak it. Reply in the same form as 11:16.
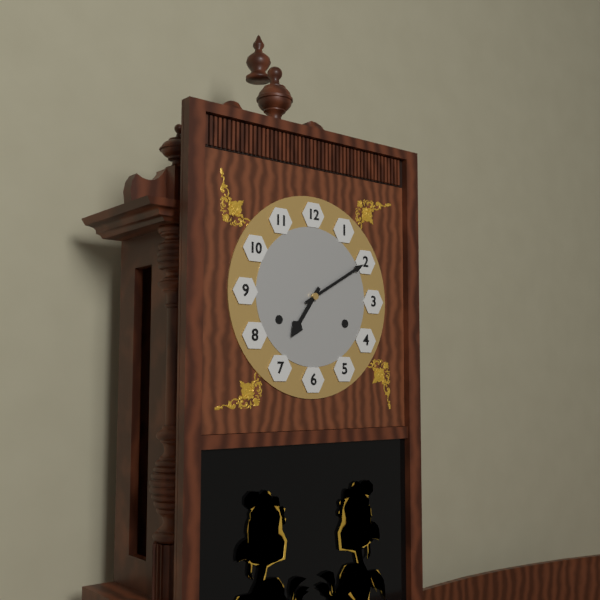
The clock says 7:10
